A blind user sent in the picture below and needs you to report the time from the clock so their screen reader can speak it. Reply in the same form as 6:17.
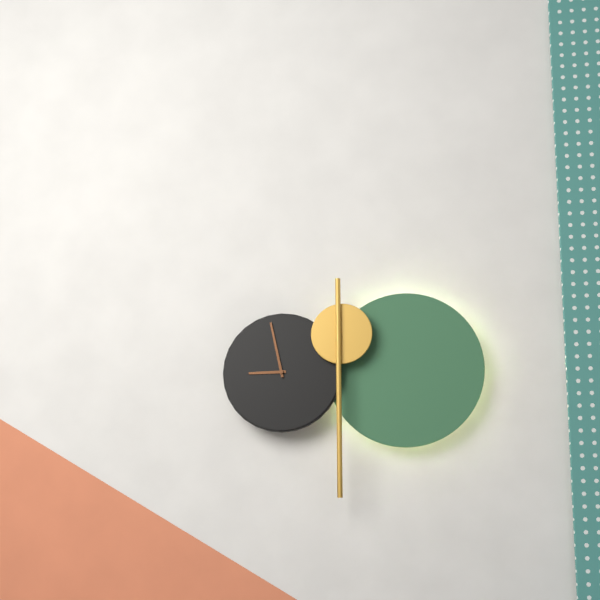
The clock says 8:58
